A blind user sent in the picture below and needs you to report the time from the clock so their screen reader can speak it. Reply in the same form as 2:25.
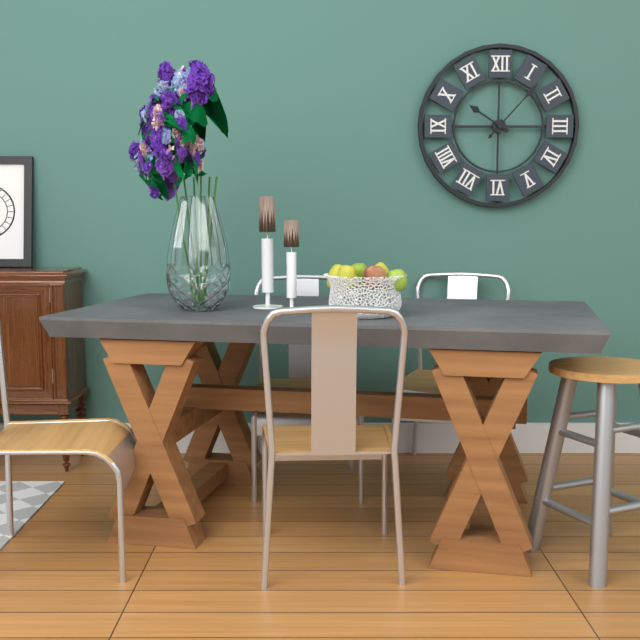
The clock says 10:07
